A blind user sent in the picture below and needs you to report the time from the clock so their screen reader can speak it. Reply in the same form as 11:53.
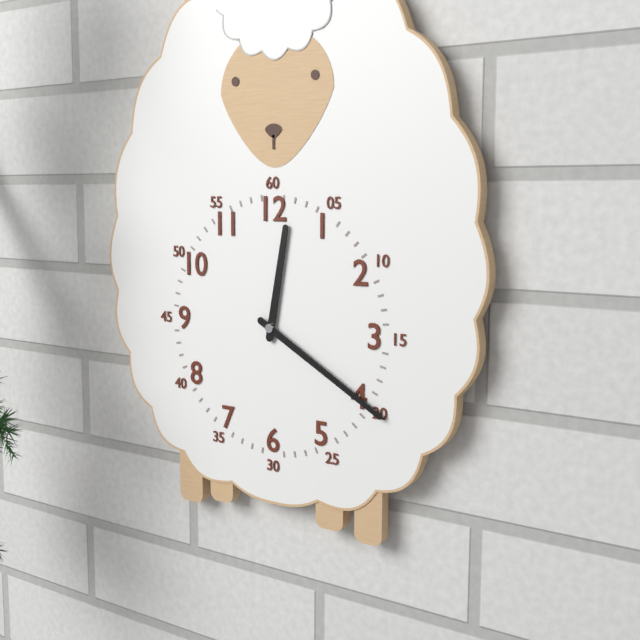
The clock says 12:20
